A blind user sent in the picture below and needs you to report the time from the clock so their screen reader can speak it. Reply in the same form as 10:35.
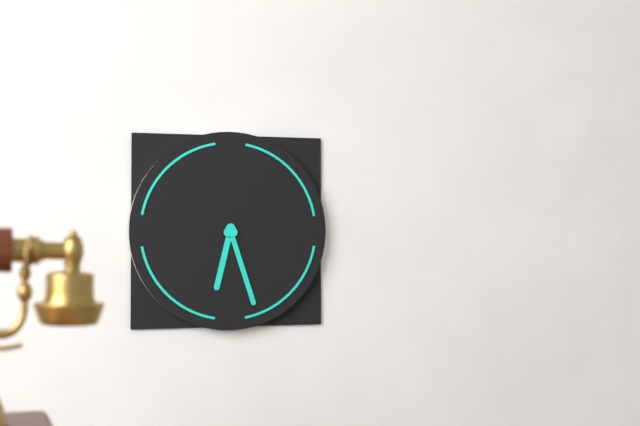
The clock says 6:27
